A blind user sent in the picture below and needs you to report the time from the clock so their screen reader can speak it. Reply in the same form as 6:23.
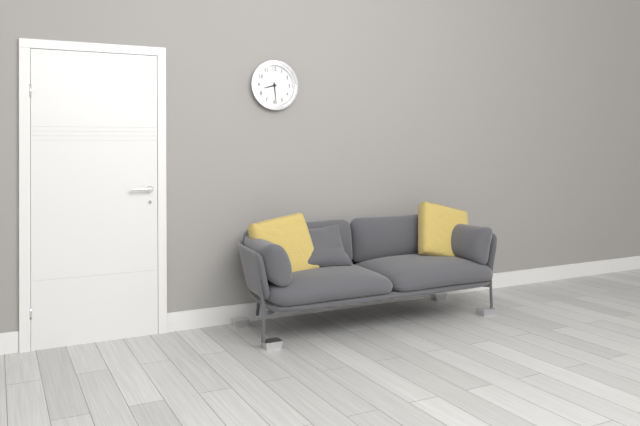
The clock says 8:29
